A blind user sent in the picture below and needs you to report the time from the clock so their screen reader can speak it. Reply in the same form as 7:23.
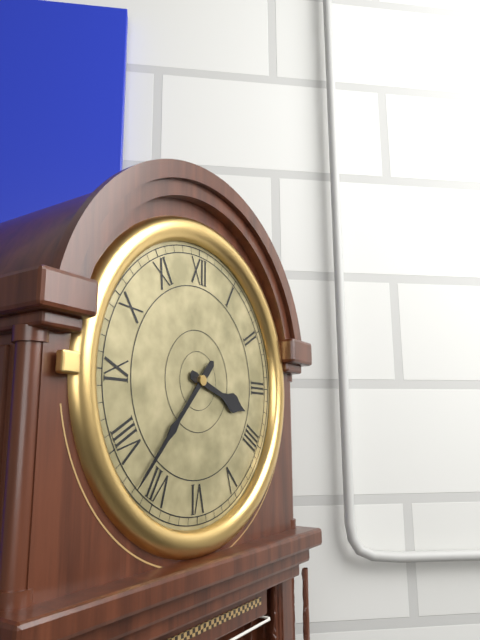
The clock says 3:37
